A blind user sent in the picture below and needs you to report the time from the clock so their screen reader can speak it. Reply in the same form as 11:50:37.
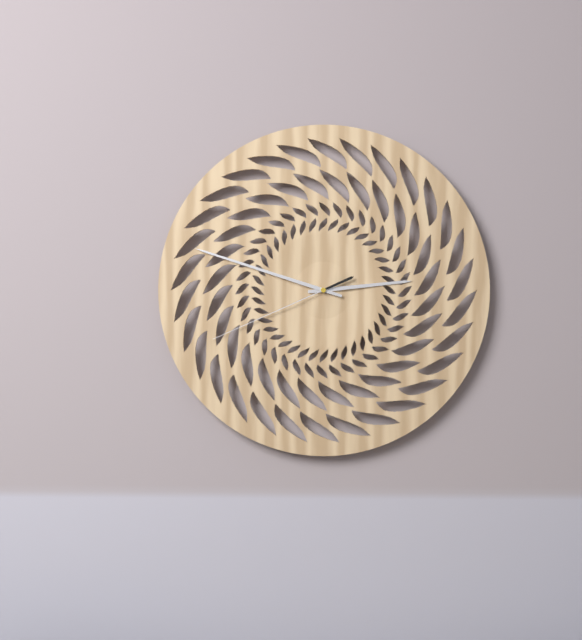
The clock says 2:48:41
